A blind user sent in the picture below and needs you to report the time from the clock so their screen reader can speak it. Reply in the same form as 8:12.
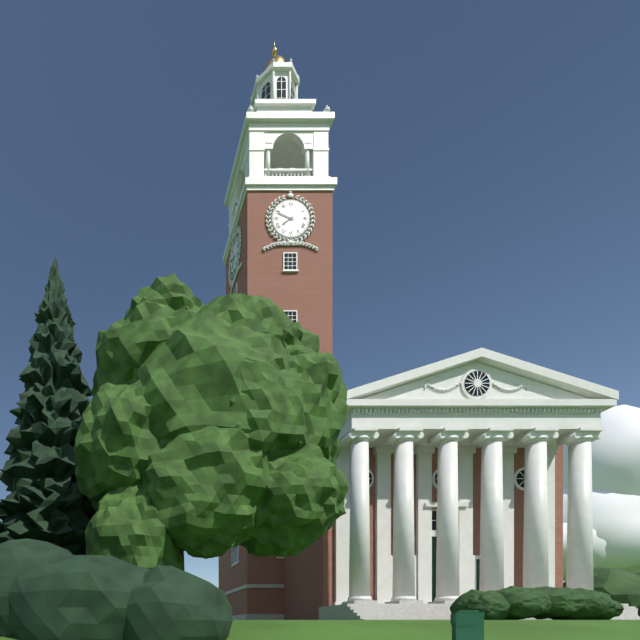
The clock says 7:49
